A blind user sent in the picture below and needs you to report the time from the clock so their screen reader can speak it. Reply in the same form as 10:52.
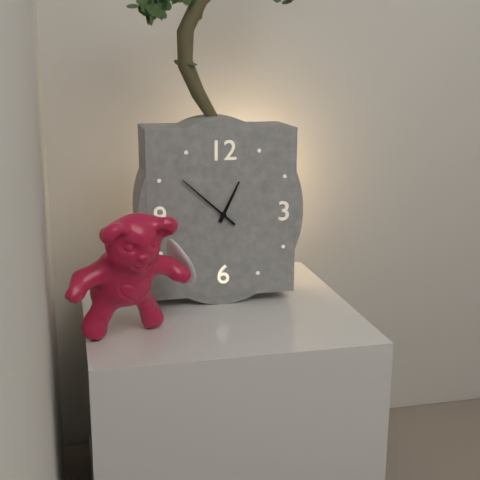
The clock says 12:52
